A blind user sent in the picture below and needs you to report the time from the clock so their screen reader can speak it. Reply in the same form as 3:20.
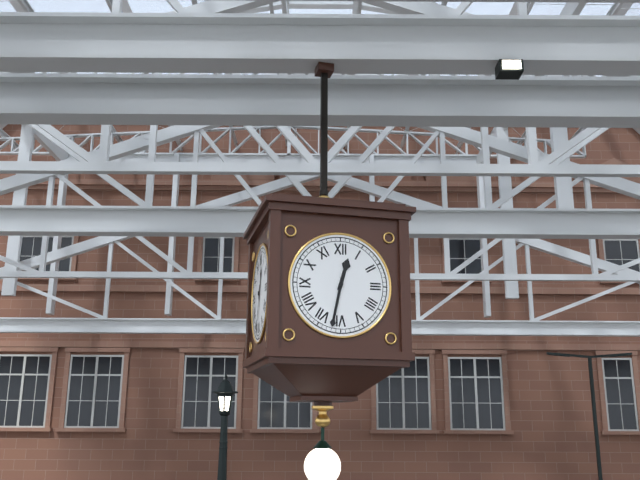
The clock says 12:32
